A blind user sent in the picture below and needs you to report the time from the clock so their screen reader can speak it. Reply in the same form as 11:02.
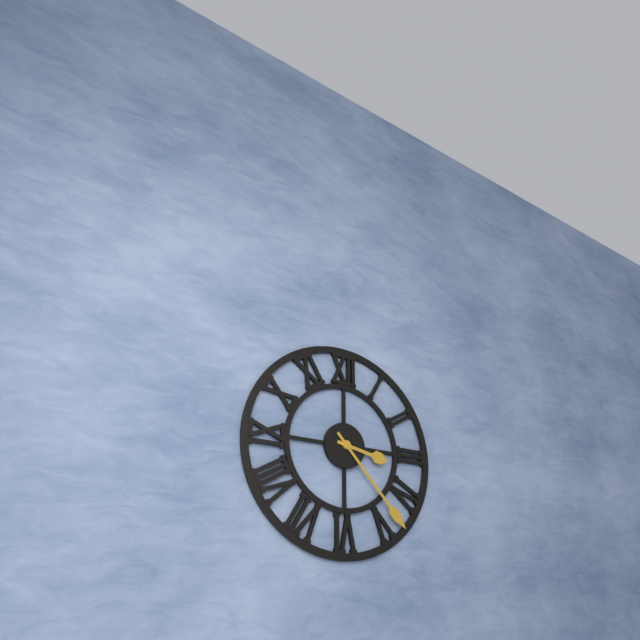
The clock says 3:23
